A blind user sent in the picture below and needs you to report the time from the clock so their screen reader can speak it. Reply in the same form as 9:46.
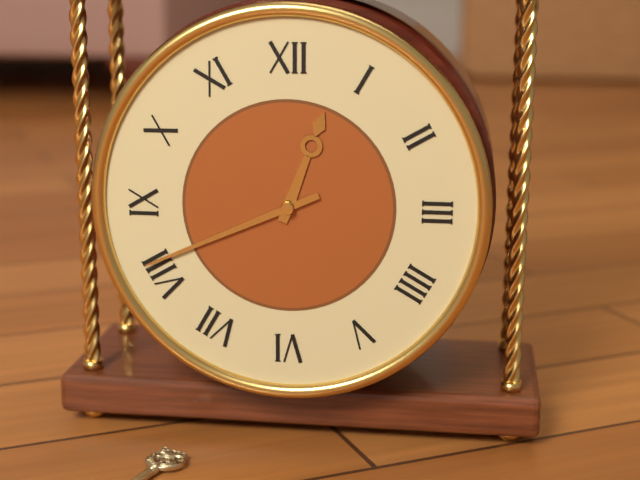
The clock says 12:41
